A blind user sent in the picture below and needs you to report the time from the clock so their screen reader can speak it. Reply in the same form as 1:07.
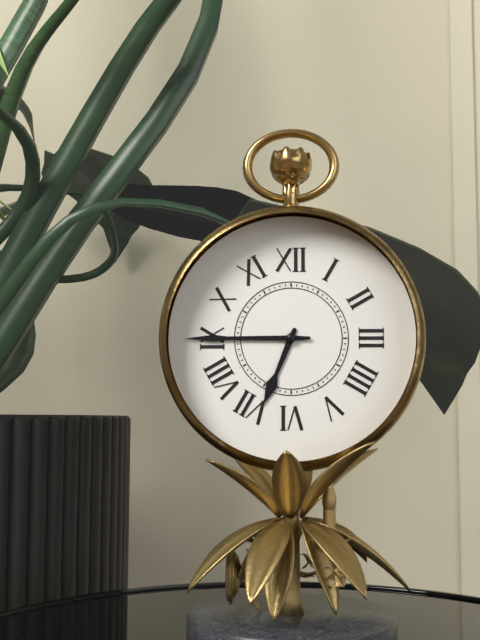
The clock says 6:45
